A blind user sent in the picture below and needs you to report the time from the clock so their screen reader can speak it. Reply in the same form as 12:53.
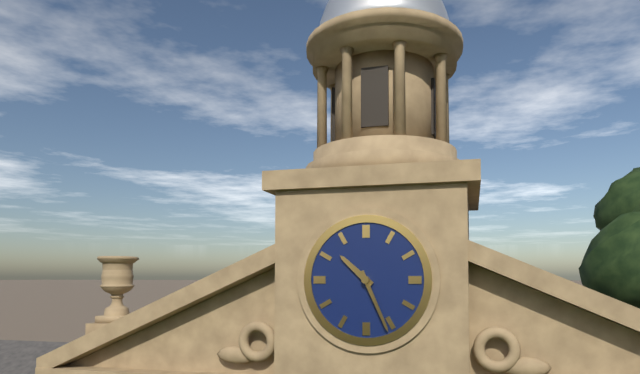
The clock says 10:26
